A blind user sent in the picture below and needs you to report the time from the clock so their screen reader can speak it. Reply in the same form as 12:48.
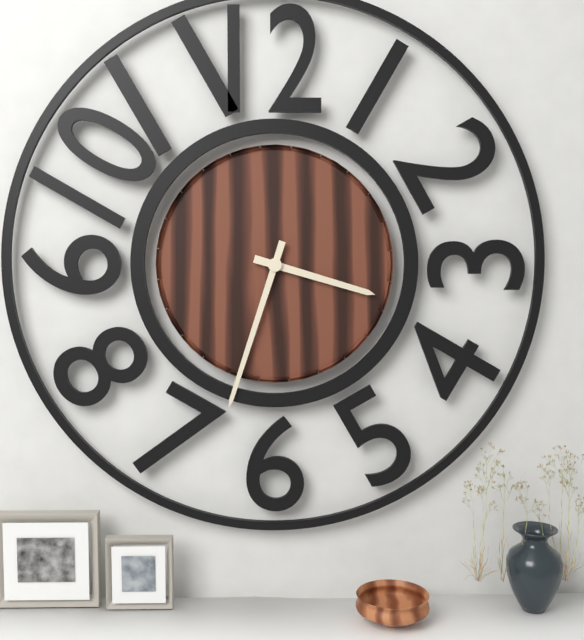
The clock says 3:33
